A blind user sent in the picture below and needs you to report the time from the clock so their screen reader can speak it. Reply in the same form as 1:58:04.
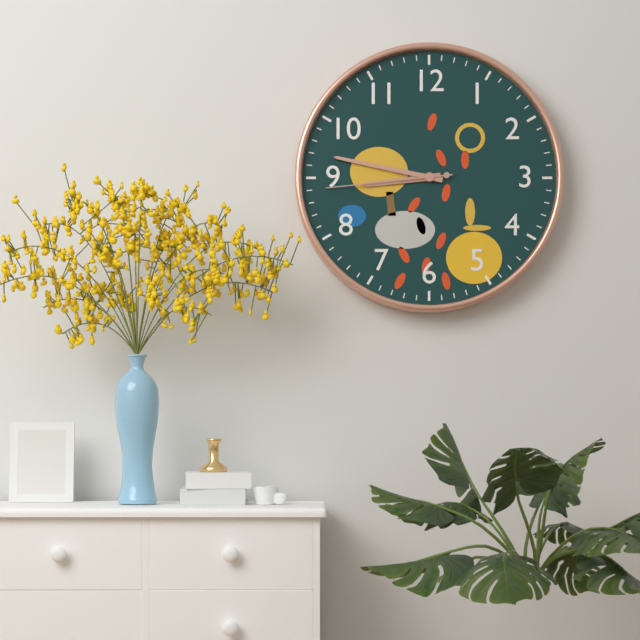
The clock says 8:47:44
